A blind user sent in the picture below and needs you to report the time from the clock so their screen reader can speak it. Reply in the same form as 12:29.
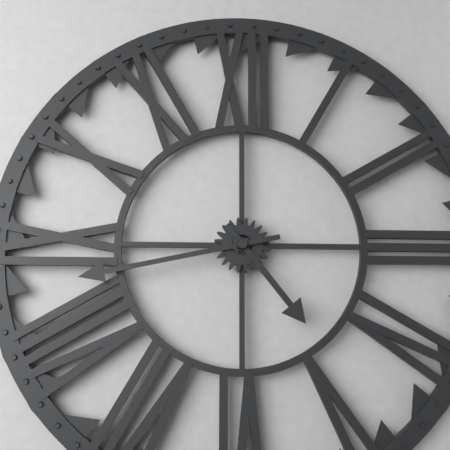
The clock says 4:43
